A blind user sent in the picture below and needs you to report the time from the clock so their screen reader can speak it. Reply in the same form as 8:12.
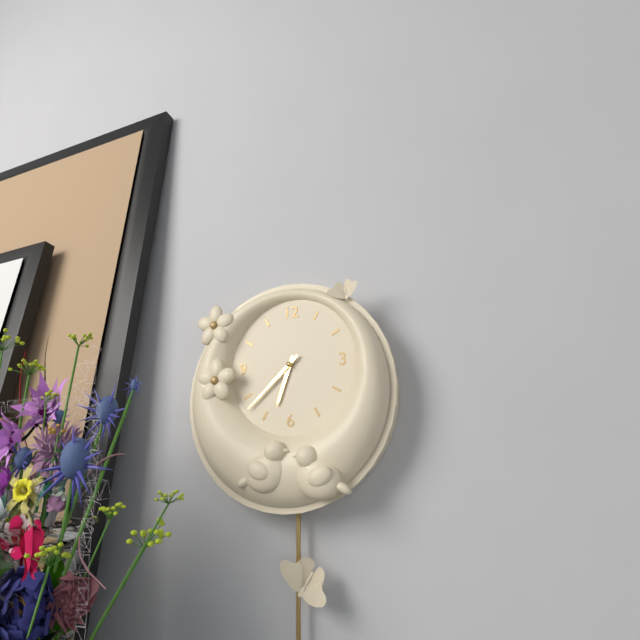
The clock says 6:38
